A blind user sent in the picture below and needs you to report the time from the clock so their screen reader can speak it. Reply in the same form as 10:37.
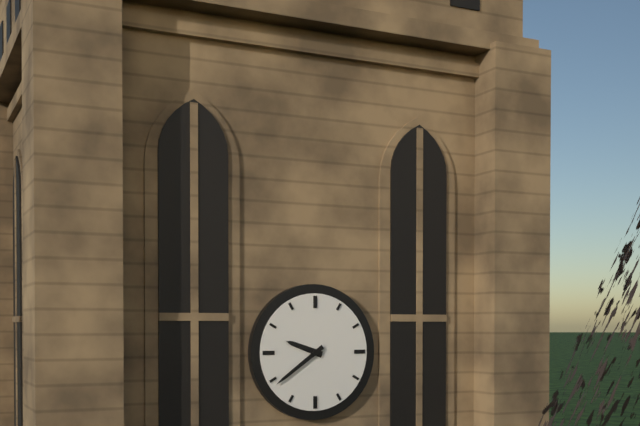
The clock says 9:39
